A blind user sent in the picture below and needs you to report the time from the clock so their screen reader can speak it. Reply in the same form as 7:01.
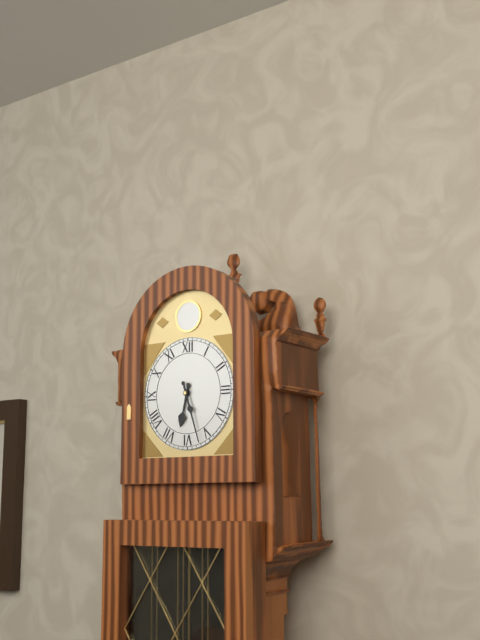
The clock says 6:27
